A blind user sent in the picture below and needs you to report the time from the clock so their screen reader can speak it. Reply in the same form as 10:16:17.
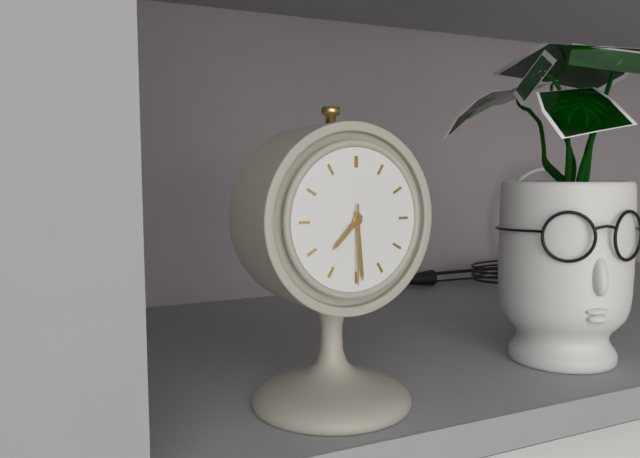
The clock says 7:29:30
